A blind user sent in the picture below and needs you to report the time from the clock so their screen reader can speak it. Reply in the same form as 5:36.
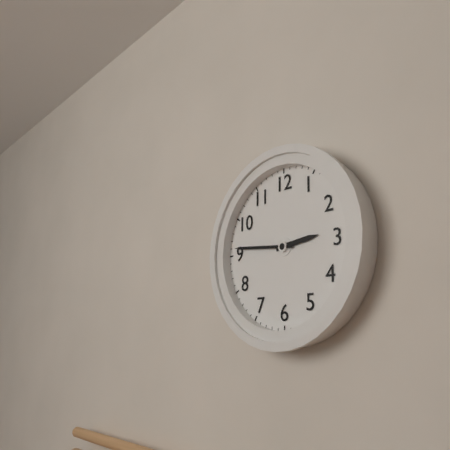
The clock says 2:46
